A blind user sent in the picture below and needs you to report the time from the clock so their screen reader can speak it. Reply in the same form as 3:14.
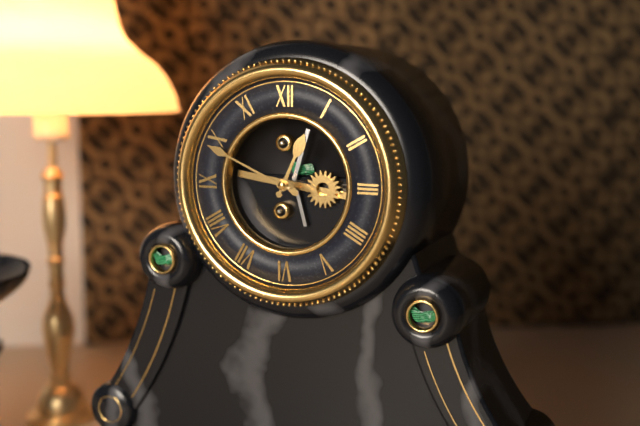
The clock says 12:49
